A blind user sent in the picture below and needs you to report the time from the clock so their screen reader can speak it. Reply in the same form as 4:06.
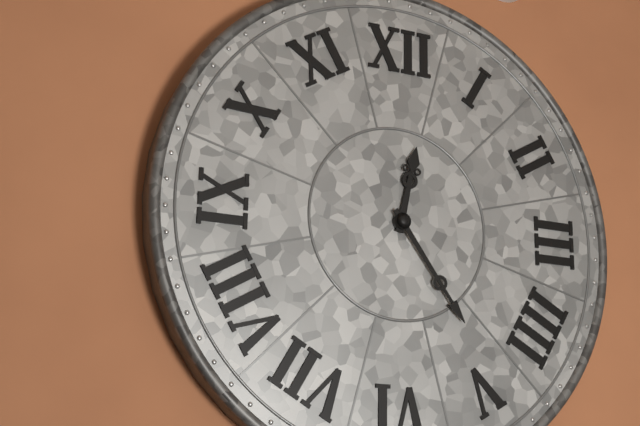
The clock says 12:24
